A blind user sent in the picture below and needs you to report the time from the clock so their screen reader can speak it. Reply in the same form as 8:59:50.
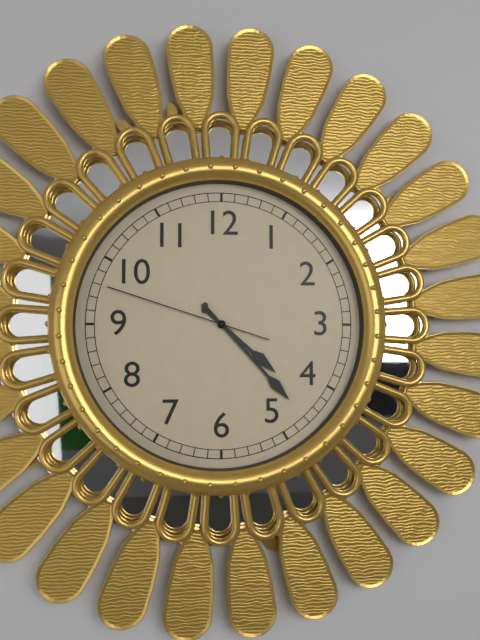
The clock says 4:23:48
